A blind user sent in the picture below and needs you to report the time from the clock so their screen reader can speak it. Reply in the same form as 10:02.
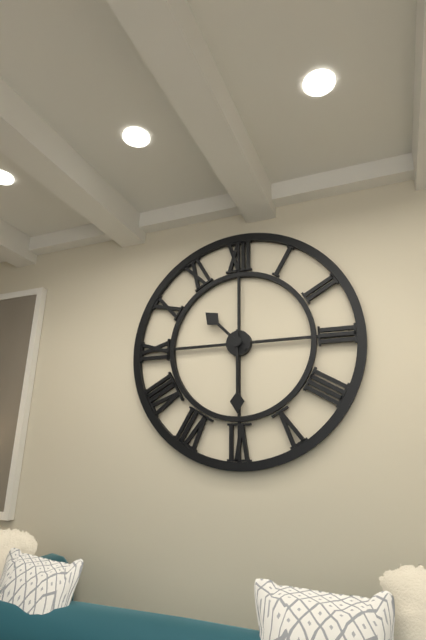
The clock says 10:30
